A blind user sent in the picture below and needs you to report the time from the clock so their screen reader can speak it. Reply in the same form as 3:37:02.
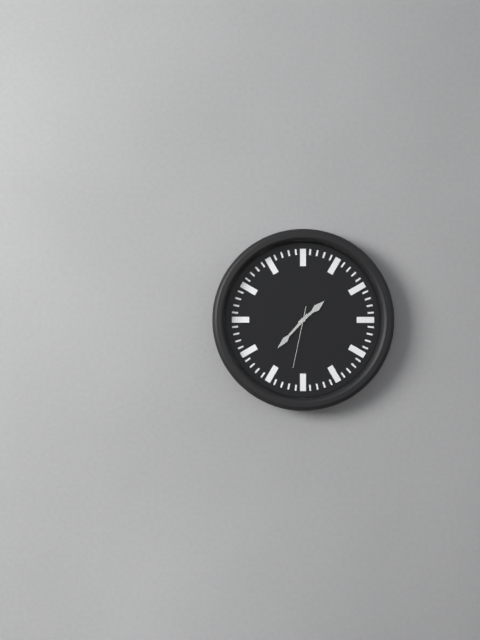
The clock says 1:37:32
